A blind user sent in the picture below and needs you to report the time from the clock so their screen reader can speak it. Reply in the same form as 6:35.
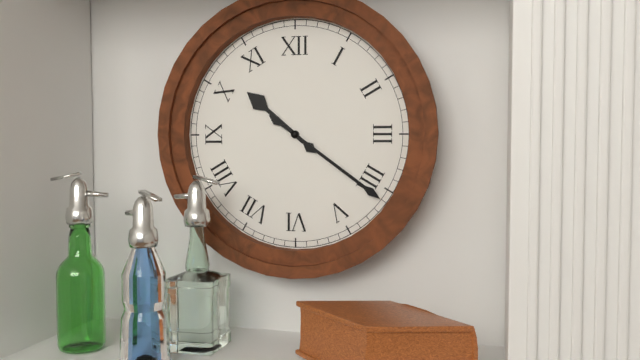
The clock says 10:21
